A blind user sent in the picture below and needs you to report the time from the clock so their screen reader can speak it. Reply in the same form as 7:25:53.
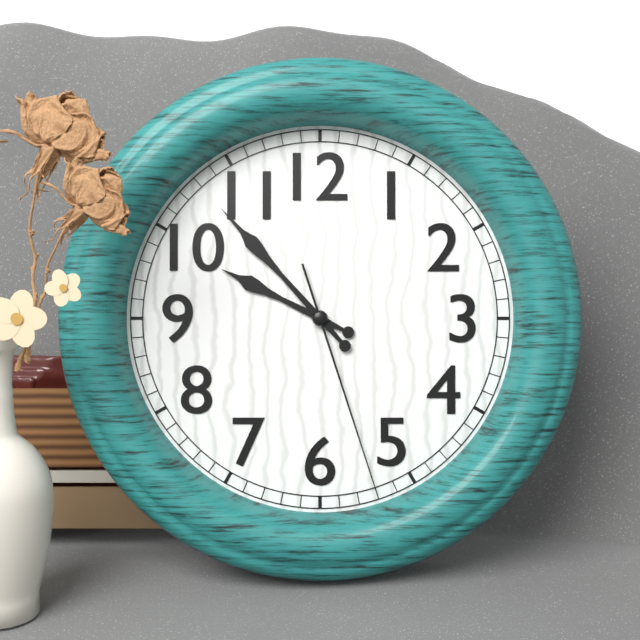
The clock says 9:53:27
